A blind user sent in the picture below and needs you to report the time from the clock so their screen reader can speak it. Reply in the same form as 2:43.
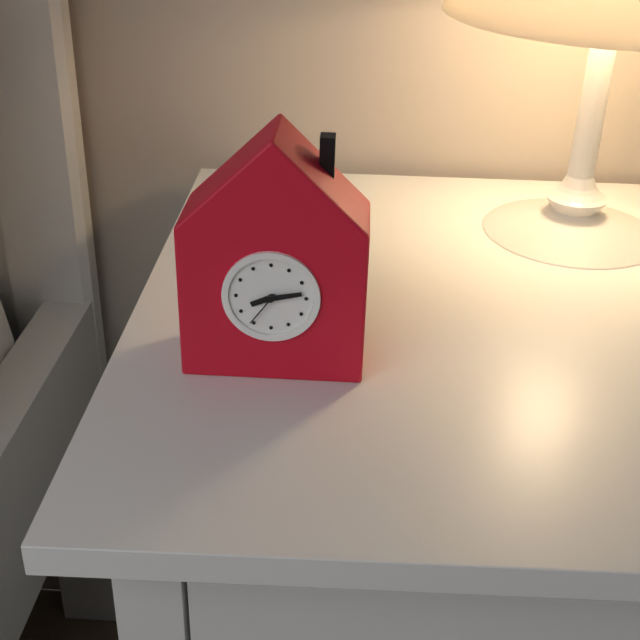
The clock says 8:13
